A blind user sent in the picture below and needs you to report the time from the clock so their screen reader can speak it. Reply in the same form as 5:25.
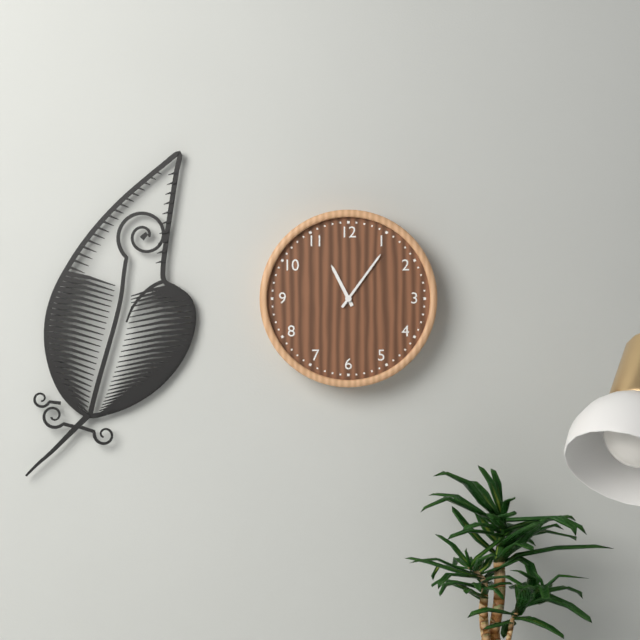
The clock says 11:06
